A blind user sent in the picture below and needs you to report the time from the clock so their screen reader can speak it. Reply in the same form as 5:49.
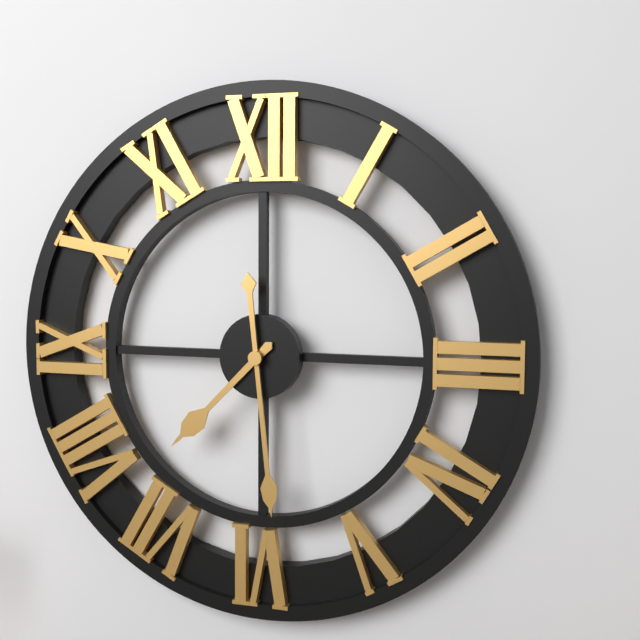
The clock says 7:29
